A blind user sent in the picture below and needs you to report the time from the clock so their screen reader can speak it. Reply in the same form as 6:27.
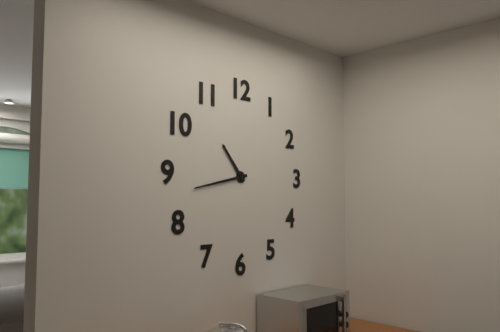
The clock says 10:43
